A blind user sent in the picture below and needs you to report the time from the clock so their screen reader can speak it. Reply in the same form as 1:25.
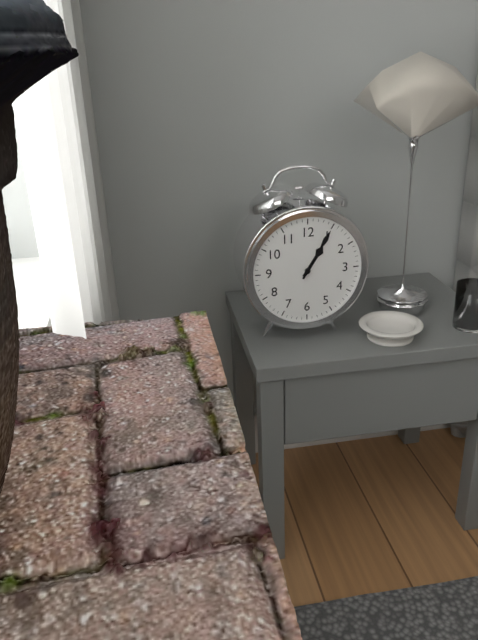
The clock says 1:05
